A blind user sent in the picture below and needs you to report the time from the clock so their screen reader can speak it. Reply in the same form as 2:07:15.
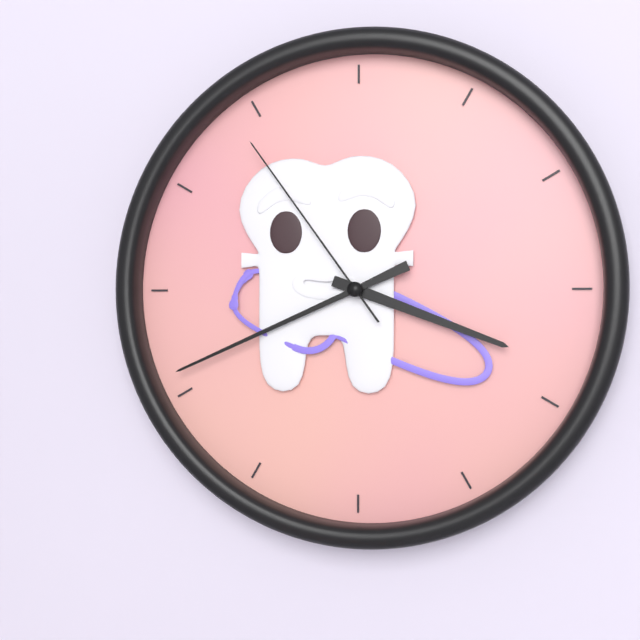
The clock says 3:41:54
